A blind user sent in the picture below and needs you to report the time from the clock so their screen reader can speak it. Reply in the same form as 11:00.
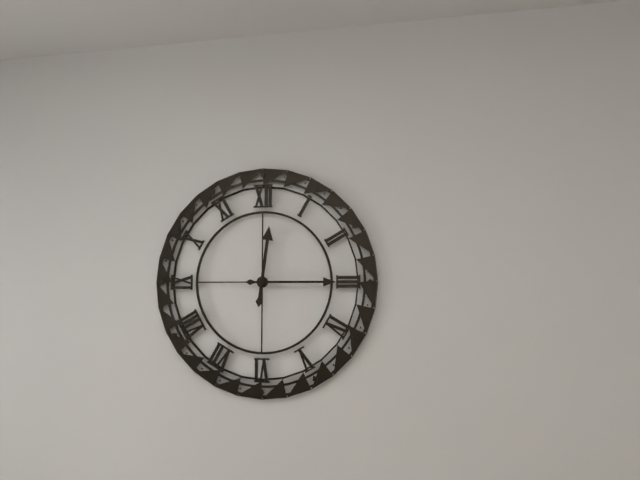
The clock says 12:15
